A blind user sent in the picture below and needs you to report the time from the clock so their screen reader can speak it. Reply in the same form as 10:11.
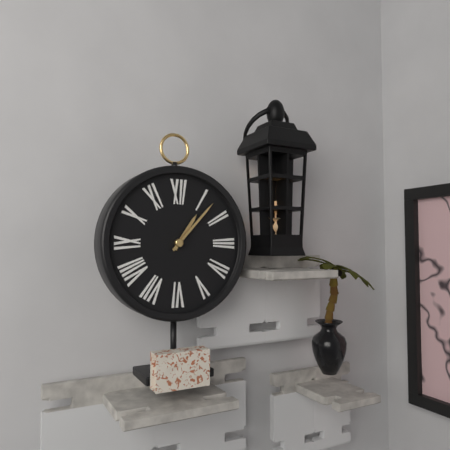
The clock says 1:07
